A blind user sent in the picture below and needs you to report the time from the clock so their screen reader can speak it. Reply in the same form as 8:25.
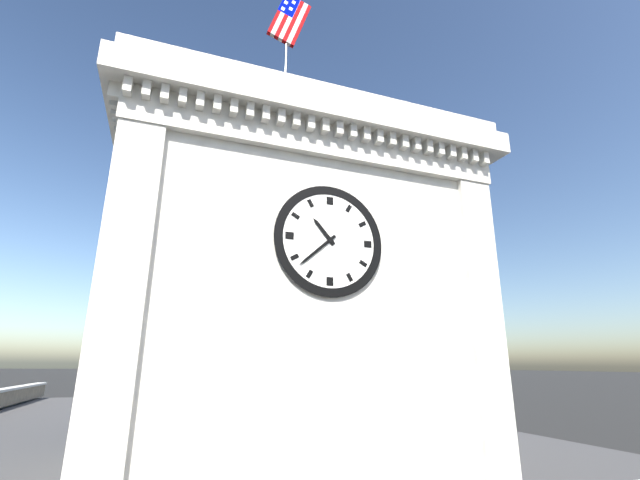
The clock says 10:38
